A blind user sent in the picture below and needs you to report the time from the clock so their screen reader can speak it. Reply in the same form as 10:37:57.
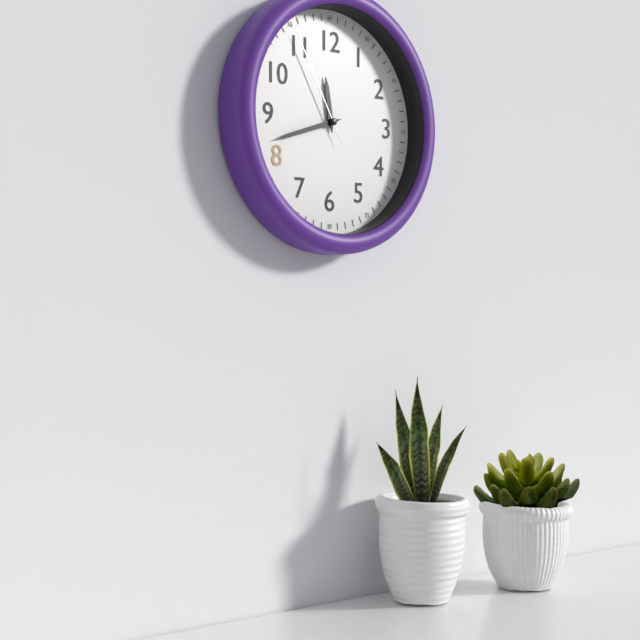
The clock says 11:42:55
